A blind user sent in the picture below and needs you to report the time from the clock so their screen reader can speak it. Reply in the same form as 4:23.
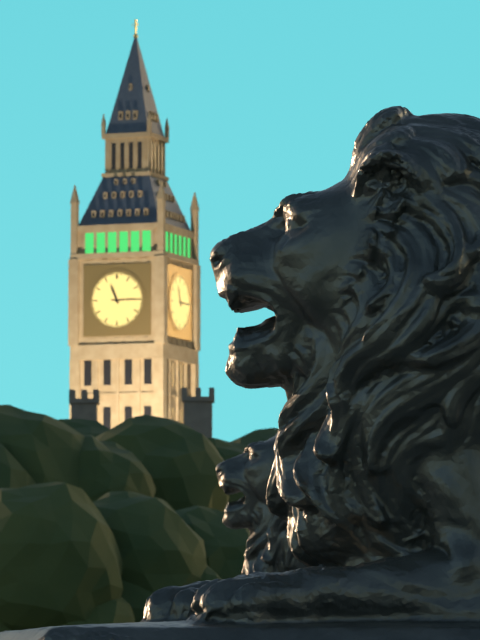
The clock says 11:15
